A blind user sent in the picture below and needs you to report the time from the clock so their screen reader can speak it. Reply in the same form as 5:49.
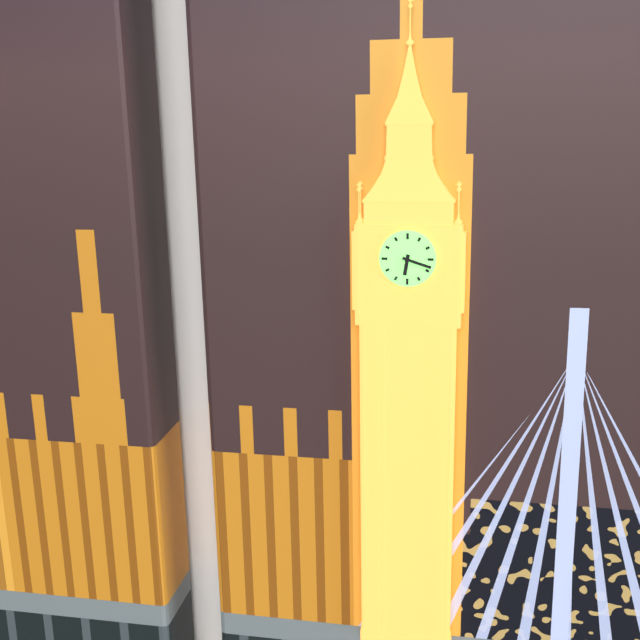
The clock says 6:18
